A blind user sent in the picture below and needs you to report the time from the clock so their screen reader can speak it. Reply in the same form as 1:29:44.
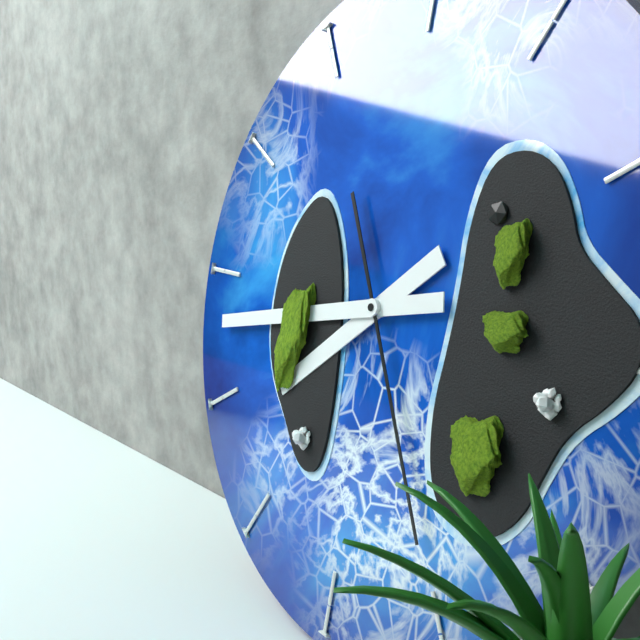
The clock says 7:43:25
